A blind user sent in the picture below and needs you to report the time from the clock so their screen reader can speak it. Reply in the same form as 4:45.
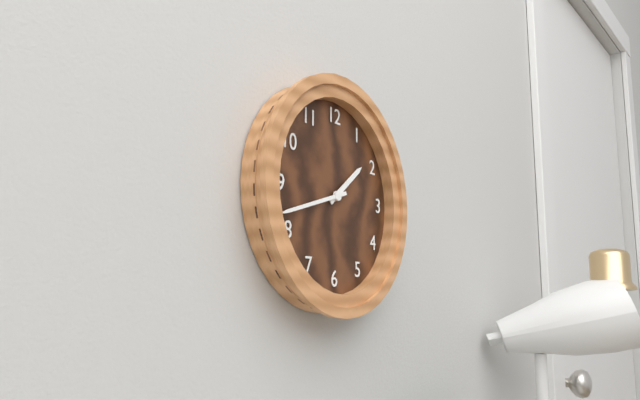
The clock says 1:42
